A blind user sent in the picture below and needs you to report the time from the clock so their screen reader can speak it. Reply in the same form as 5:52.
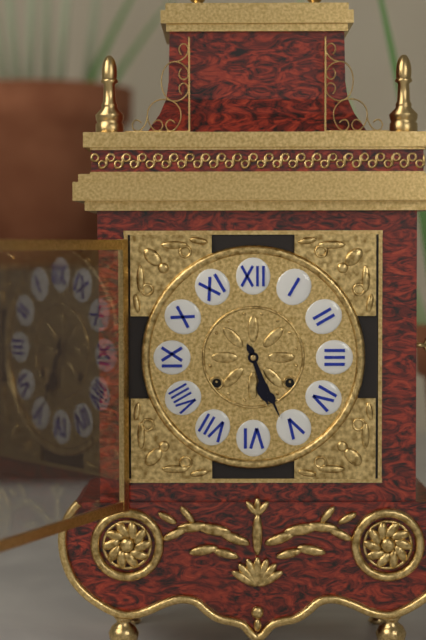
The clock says 5:26
